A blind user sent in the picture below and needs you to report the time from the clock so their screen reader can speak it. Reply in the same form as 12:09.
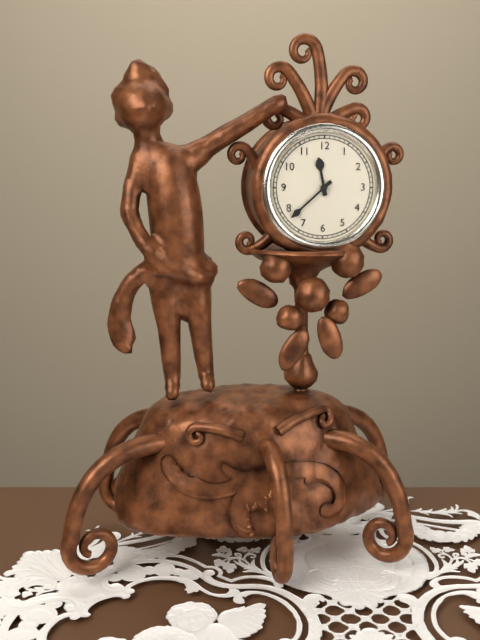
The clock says 11:38
